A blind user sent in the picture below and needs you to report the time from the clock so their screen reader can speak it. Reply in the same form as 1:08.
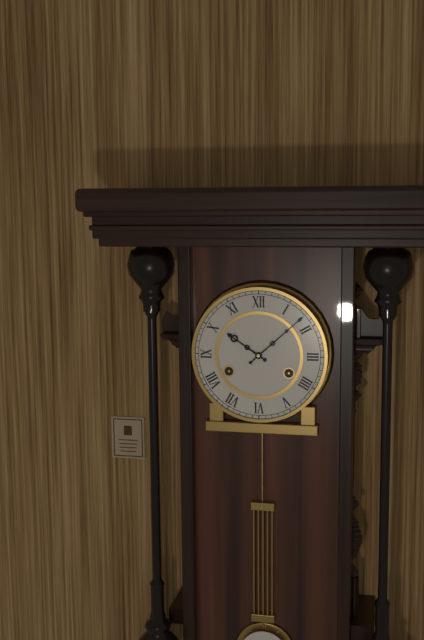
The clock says 10:08
